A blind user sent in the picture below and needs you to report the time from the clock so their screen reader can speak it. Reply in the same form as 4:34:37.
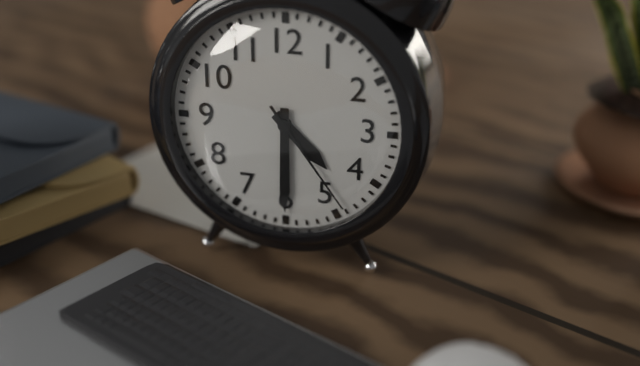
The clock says 4:30:24
